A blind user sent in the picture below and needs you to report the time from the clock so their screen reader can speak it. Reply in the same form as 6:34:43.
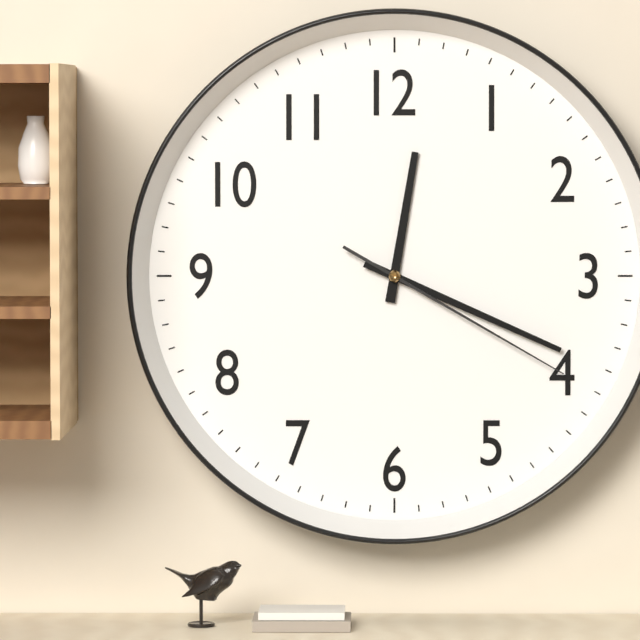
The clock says 12:19:20
